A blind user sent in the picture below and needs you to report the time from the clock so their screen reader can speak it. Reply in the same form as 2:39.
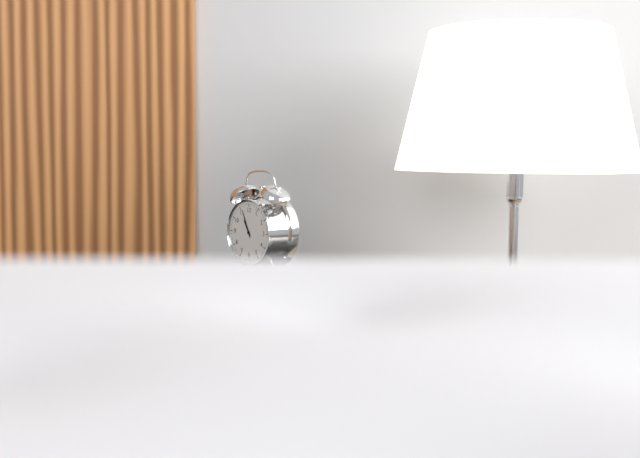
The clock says 10:56
